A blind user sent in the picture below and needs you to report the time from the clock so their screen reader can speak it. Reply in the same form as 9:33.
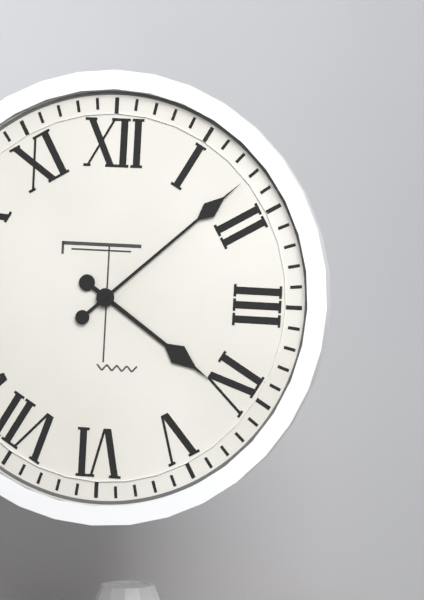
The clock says 4:08
